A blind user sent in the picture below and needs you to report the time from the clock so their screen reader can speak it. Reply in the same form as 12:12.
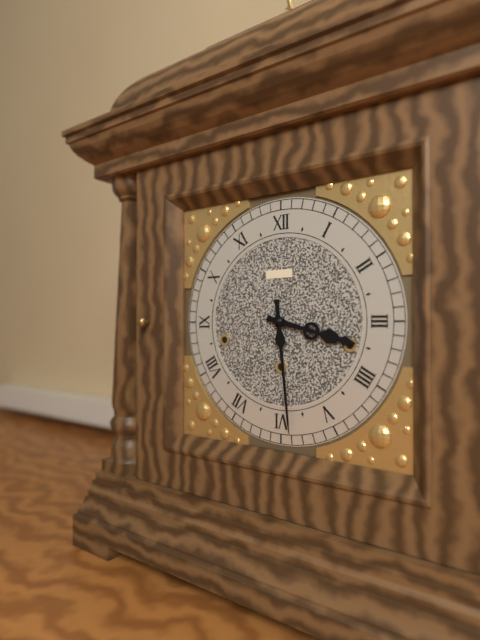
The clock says 3:29
